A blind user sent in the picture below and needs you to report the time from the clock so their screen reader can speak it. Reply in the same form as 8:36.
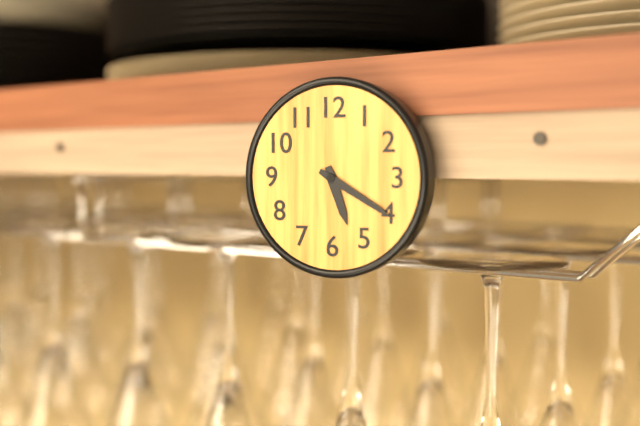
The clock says 5:20
